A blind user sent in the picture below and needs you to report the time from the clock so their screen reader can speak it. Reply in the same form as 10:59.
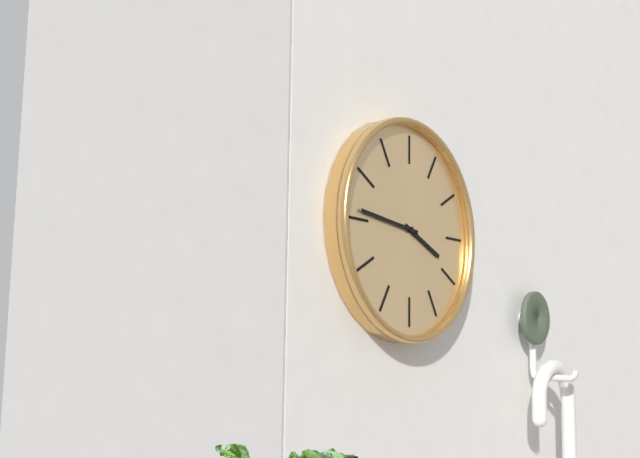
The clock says 3:46
